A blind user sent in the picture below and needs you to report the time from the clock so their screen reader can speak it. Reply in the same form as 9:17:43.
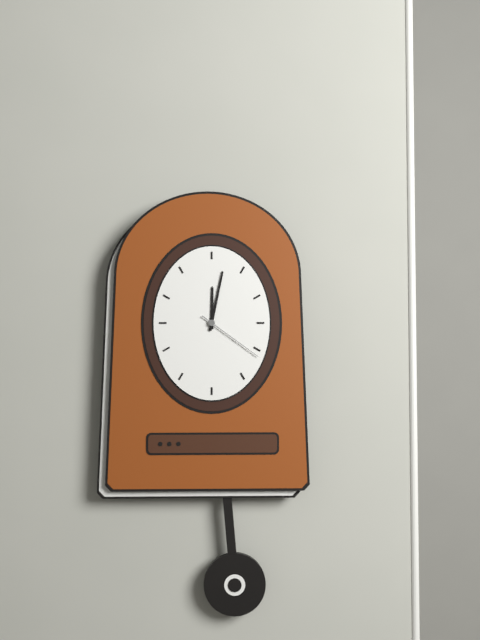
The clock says 12:02:21
